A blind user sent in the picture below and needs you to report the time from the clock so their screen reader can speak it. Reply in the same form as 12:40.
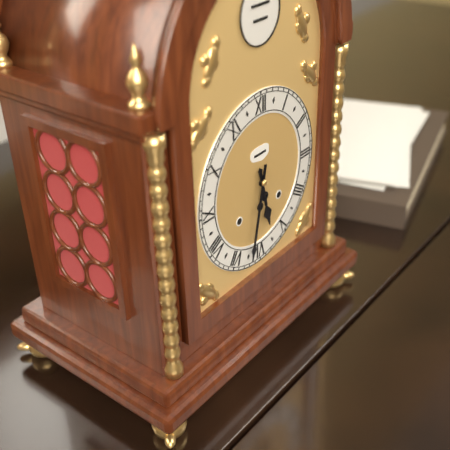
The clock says 5:32
